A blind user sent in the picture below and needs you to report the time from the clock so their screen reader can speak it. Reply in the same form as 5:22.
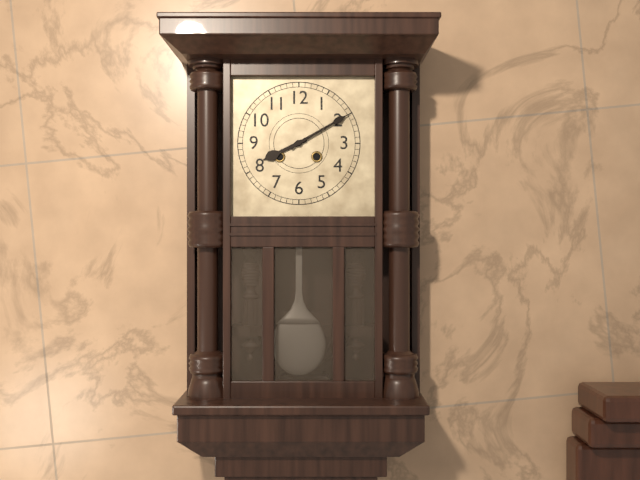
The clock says 8:10
